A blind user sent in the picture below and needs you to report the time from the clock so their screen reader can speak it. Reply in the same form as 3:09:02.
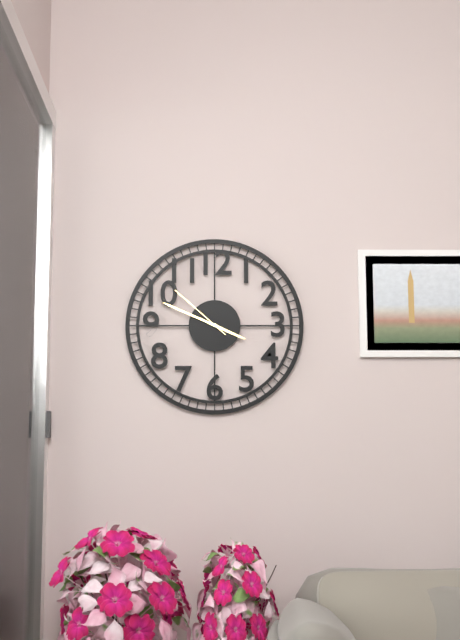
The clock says 3:49:52
